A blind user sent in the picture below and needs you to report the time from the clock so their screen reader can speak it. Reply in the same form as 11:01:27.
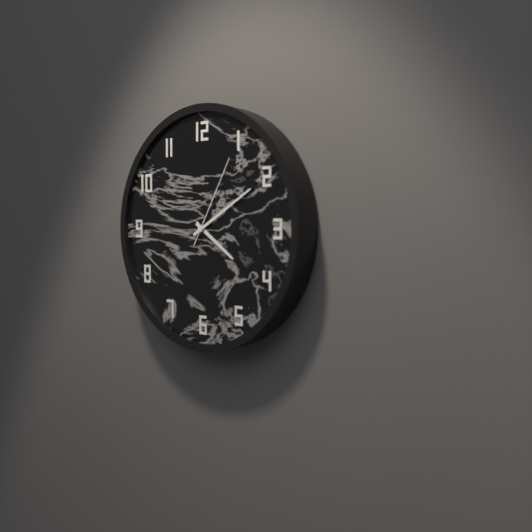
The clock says 4:10:05
